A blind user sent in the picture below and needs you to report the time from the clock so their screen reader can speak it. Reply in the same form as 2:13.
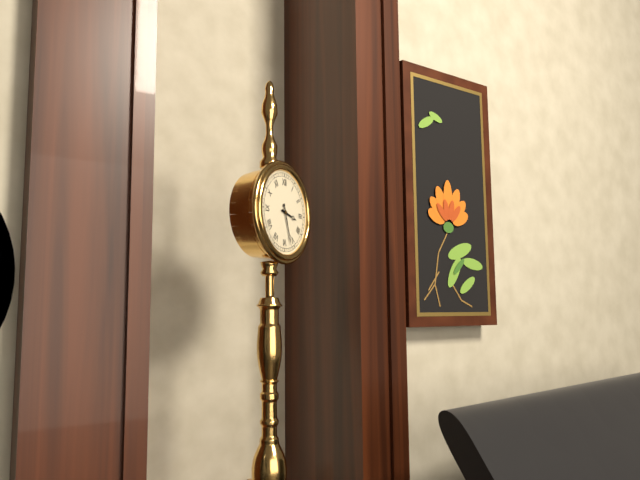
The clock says 3:27
